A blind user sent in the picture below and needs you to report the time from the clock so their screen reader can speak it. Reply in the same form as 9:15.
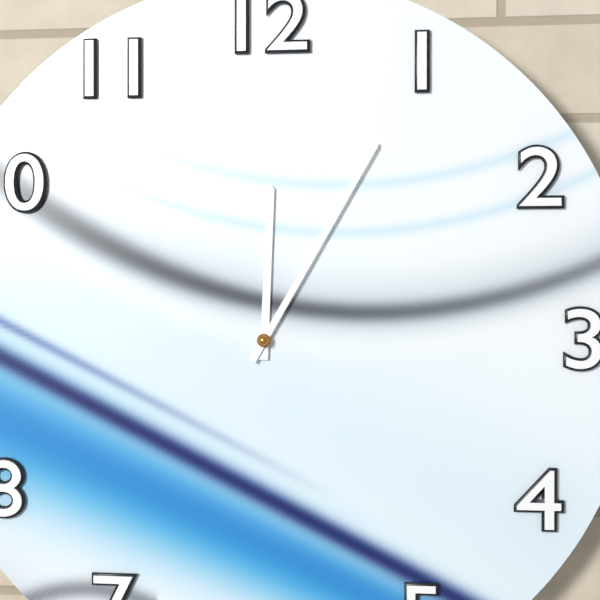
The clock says 12:05
